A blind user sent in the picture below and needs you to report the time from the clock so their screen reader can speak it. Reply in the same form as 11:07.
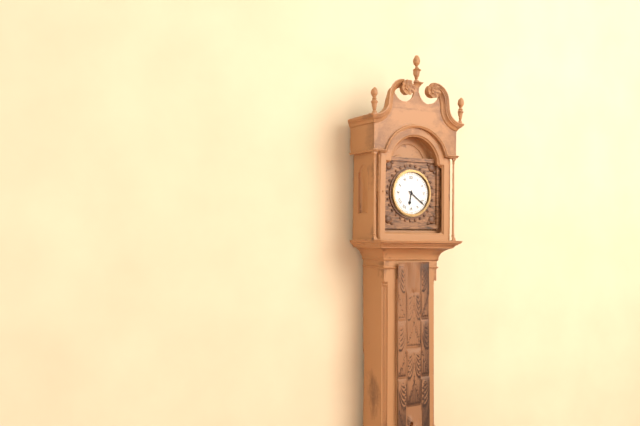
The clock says 6:21
